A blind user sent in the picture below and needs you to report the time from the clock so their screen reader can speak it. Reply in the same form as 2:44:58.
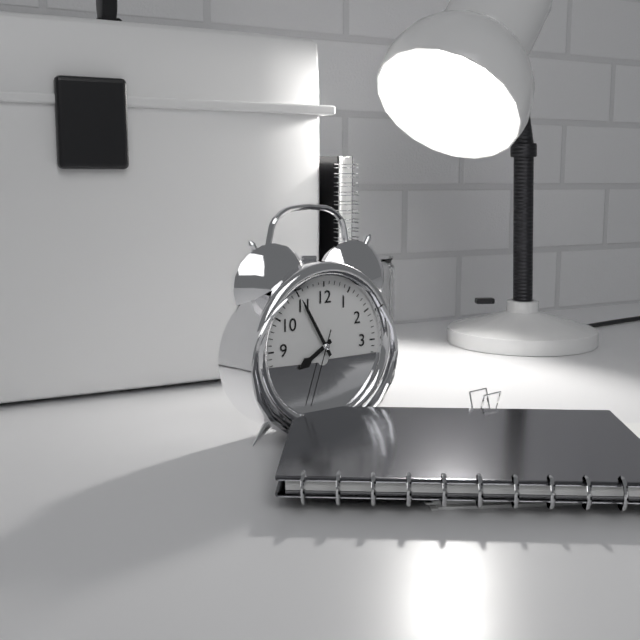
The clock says 7:55:33
